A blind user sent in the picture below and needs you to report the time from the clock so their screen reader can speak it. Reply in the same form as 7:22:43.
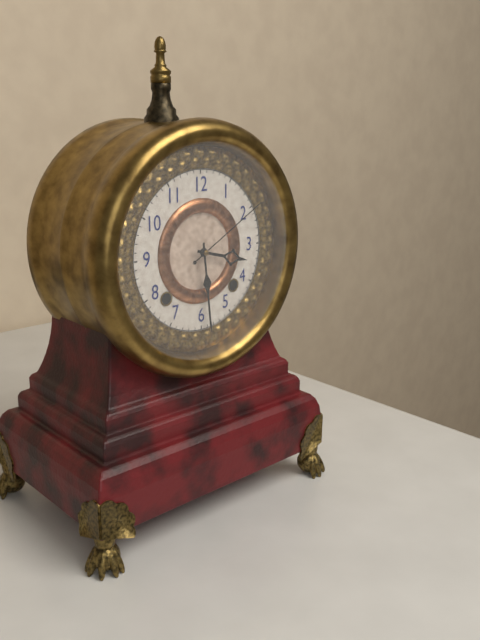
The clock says 3:29:10
